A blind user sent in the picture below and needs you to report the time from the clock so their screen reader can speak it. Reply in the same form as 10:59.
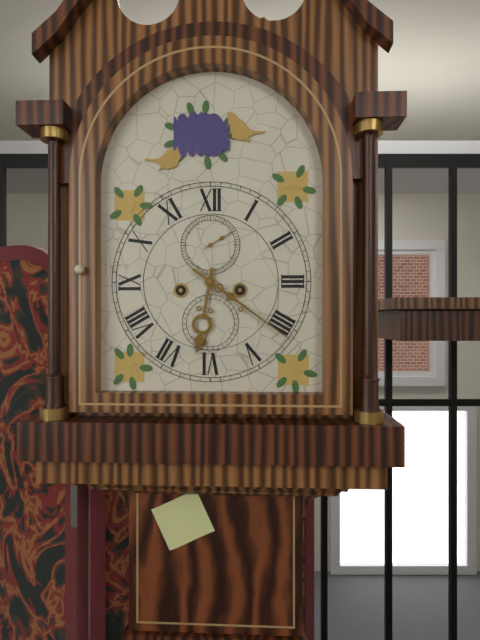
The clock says 6:21
